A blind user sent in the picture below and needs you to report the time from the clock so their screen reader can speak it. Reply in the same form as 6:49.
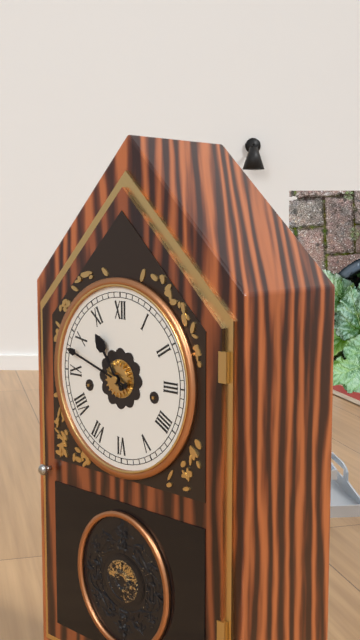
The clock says 10:48
